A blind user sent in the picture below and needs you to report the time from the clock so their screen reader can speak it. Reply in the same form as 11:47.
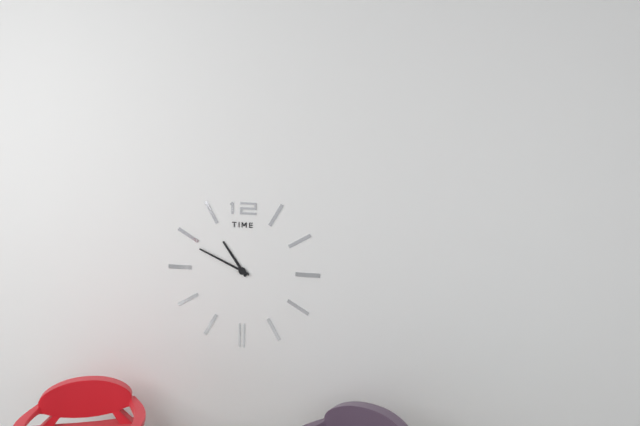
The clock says 10:49
